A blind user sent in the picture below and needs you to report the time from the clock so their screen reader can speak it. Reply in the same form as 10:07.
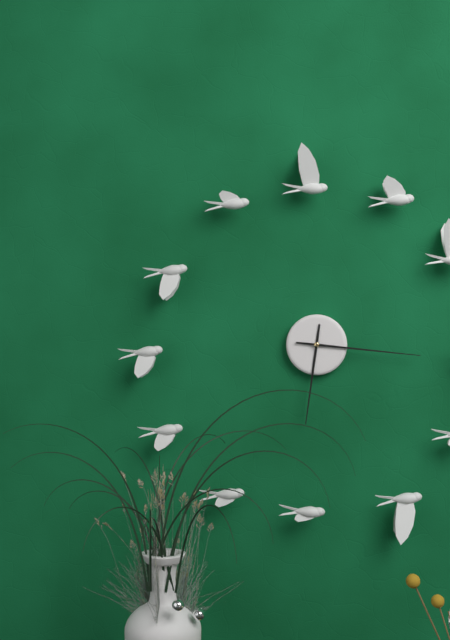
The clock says 6:16
